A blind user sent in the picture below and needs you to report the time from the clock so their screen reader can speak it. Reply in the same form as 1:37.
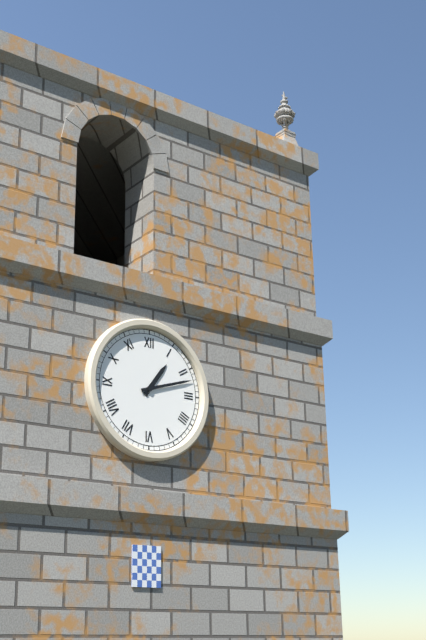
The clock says 1:12
